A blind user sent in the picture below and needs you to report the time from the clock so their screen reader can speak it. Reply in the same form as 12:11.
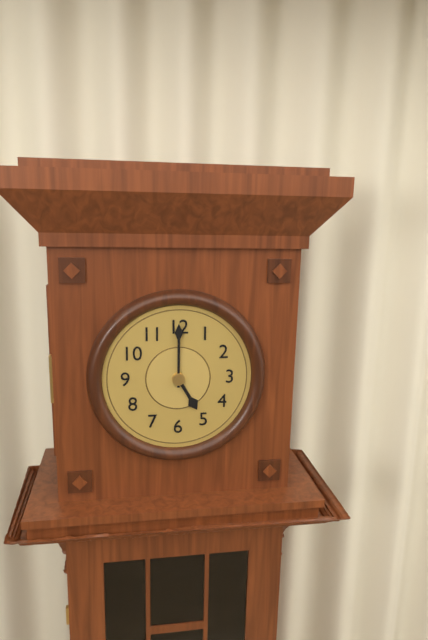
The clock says 5:00
